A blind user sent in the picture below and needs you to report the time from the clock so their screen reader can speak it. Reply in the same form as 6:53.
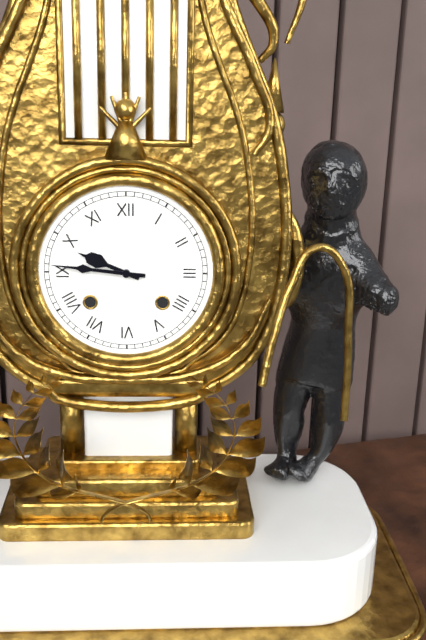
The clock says 9:46
